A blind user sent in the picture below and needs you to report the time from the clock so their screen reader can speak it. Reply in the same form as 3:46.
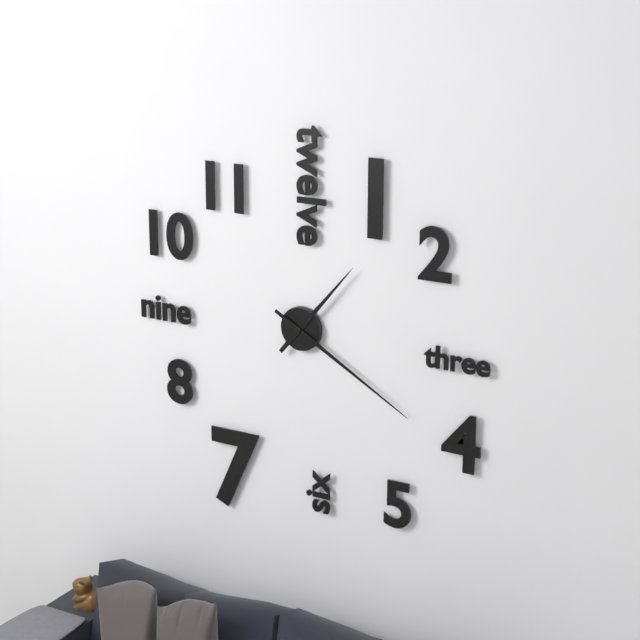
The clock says 1:20
